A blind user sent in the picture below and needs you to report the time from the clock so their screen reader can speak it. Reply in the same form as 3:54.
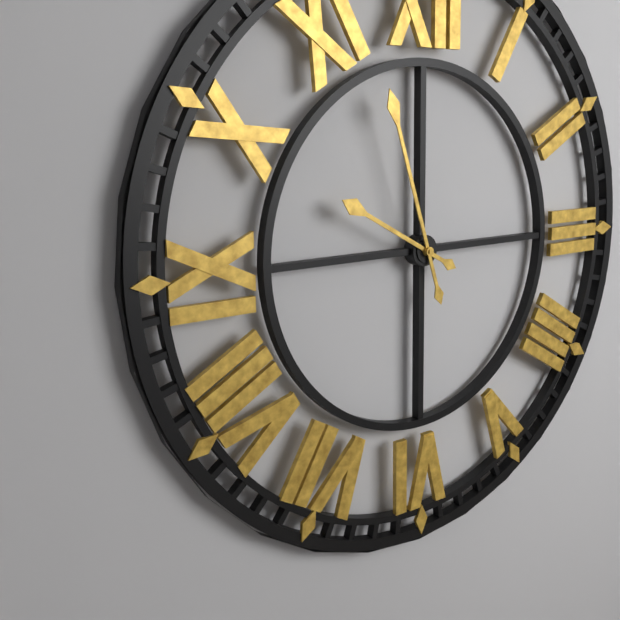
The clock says 9:57
